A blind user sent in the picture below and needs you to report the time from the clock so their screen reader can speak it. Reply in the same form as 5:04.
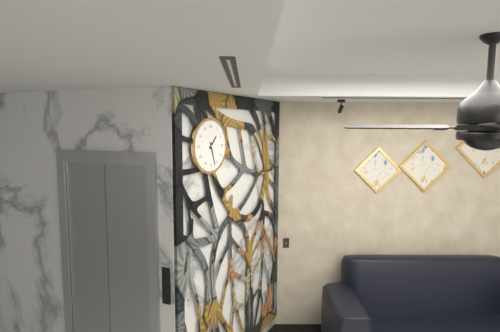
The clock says 1:27
